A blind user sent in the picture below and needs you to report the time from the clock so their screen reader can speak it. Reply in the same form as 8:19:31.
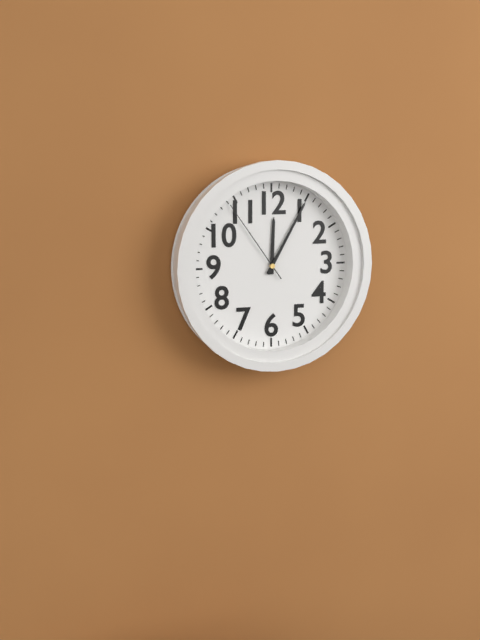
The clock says 12:05:54
